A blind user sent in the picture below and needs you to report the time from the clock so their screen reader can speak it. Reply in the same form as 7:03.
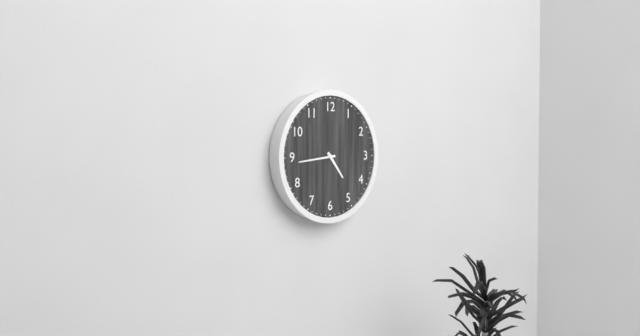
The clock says 4:44
